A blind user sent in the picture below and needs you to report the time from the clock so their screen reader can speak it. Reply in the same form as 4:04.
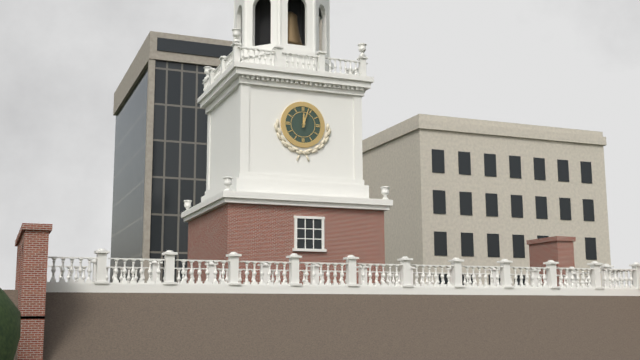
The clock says 12:03
